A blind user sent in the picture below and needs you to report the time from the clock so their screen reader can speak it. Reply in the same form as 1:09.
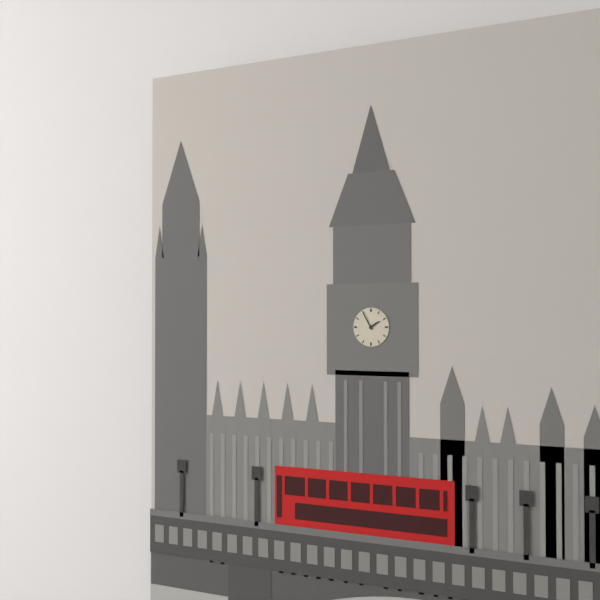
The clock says 1:55
